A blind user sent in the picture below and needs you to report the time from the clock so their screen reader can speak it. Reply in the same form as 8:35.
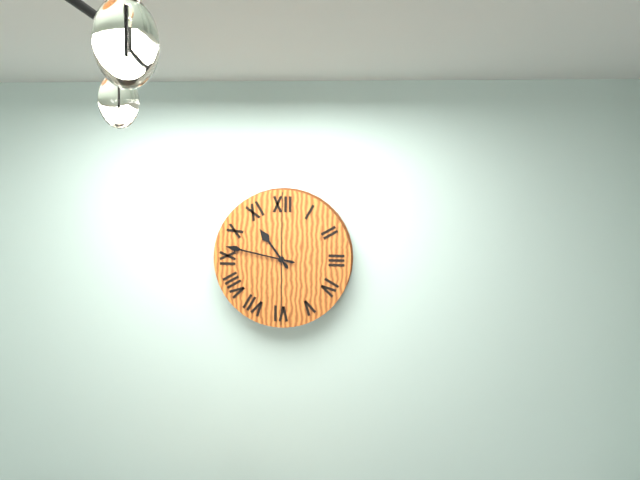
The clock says 10:47
